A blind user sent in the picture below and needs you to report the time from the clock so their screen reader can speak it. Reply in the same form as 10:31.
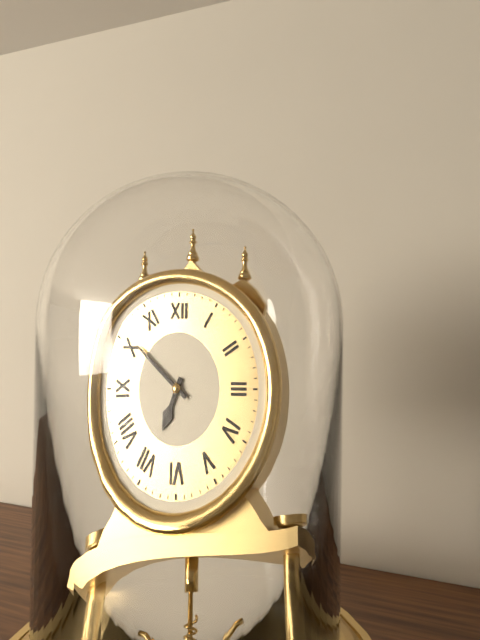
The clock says 6:51
